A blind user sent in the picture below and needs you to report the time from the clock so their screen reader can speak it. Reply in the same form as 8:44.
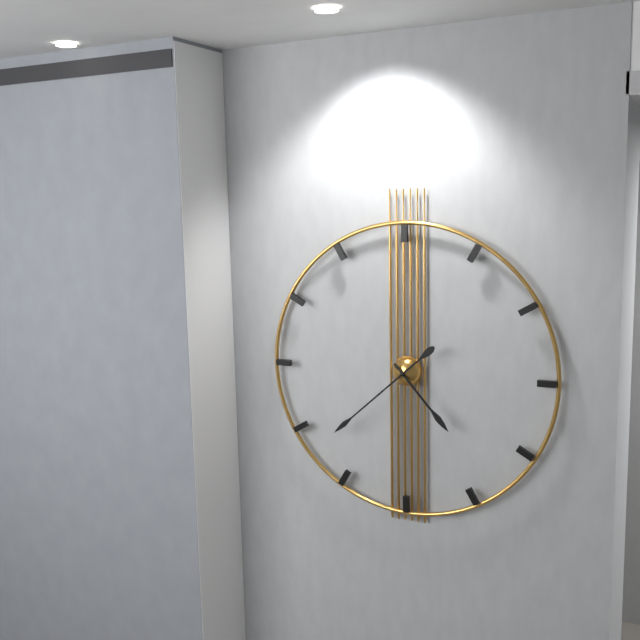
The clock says 4:38
